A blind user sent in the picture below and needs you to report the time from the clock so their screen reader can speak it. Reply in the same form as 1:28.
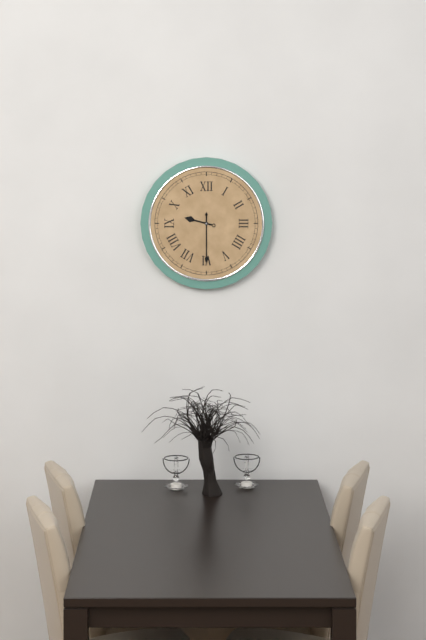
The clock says 9:30
